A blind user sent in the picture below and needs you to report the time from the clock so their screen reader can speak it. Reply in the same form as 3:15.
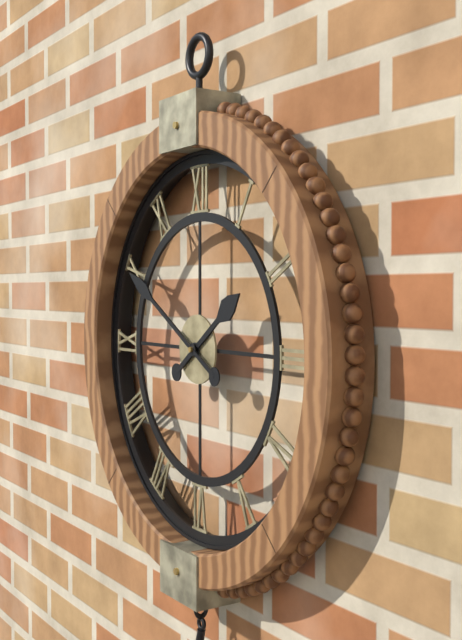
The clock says 1:50
